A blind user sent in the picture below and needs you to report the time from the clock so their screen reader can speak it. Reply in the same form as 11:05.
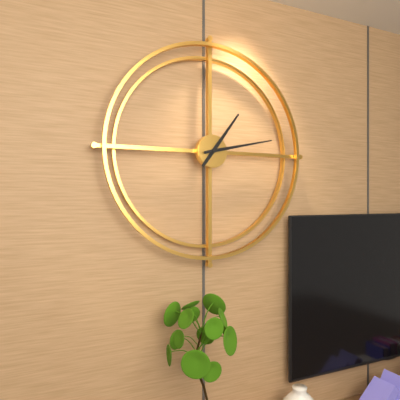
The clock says 1:13
